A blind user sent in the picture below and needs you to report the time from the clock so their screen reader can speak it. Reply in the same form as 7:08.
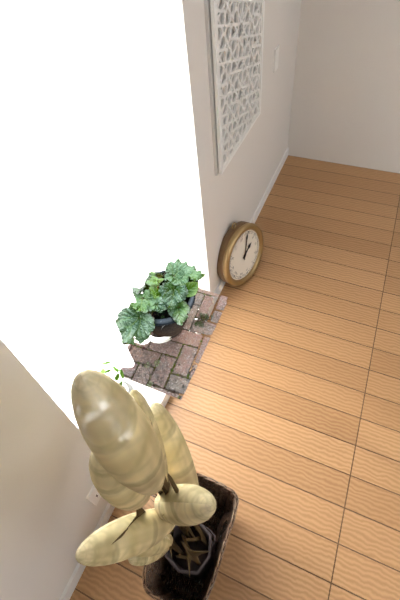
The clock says 2:04
